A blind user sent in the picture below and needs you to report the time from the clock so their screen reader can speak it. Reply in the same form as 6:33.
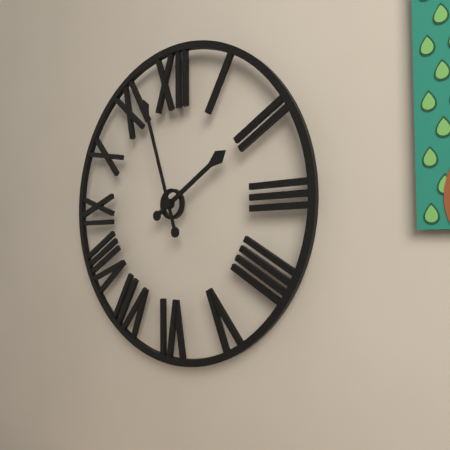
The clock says 1:57
